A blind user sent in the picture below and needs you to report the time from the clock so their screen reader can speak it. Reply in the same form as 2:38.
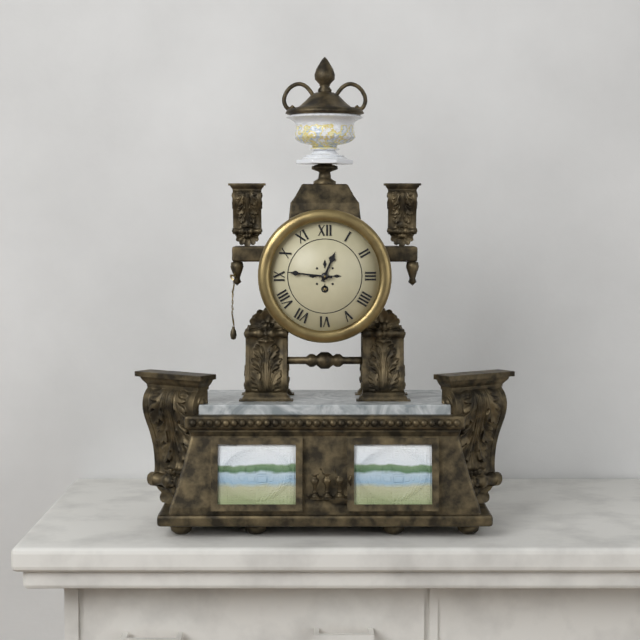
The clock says 12:46
